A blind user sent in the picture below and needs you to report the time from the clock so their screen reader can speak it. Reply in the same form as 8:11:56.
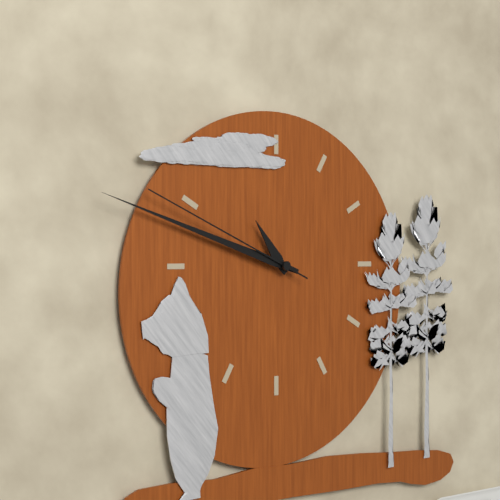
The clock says 10:48:49
